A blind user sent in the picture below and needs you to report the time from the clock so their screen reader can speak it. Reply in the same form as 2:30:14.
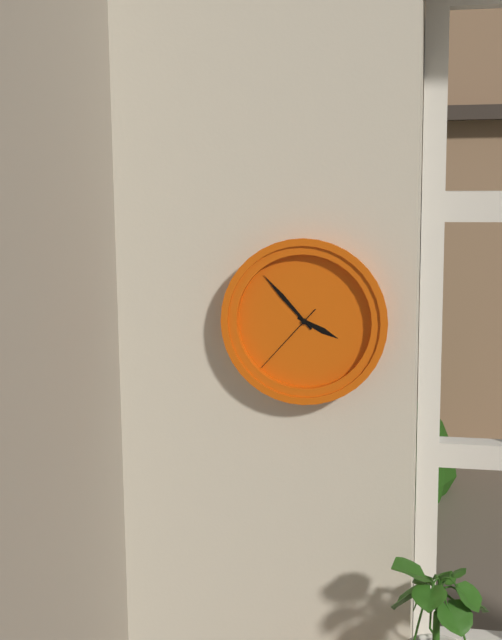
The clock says 3:53:37
